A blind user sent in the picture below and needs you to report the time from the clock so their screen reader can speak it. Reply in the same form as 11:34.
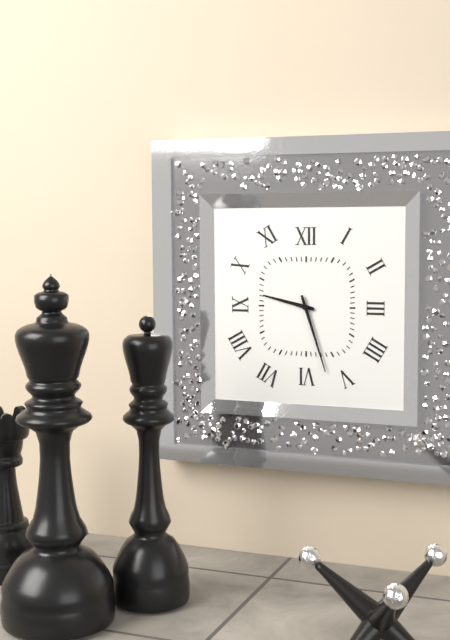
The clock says 9:27
